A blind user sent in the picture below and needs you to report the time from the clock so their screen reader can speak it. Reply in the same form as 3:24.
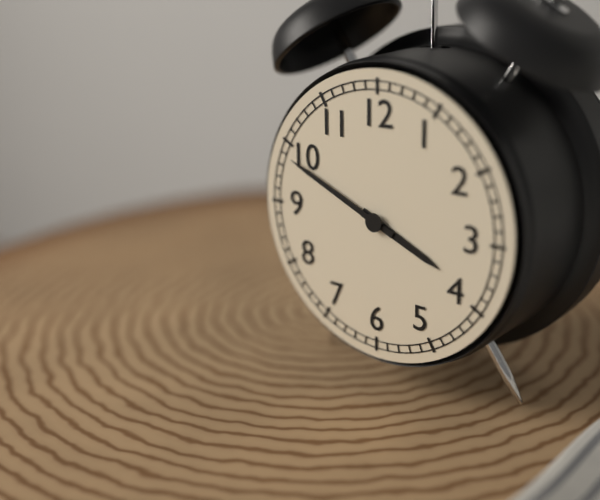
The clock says 3:49
